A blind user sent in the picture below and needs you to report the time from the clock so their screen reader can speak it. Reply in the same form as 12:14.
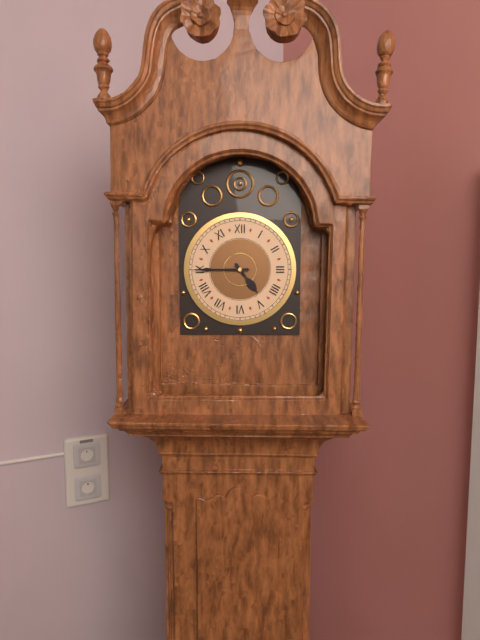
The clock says 4:45
